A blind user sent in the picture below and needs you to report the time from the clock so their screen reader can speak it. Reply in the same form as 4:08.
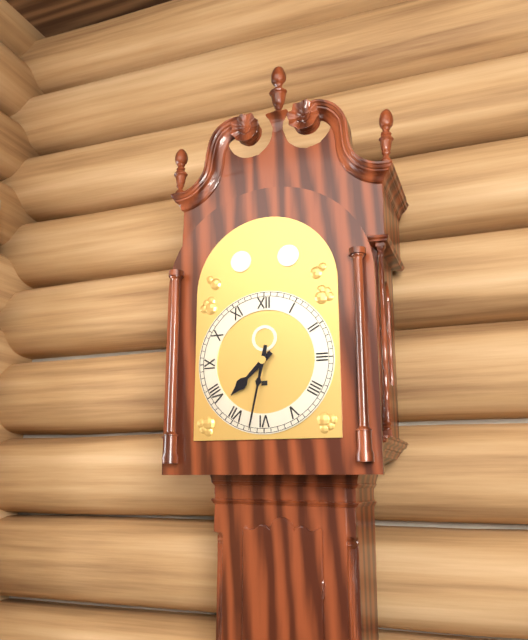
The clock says 7:32
